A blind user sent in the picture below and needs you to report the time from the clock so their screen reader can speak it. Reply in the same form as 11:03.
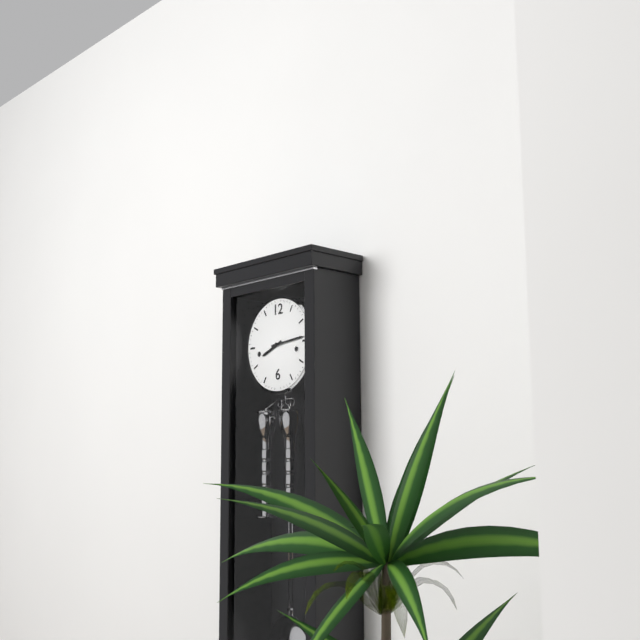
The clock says 8:14
